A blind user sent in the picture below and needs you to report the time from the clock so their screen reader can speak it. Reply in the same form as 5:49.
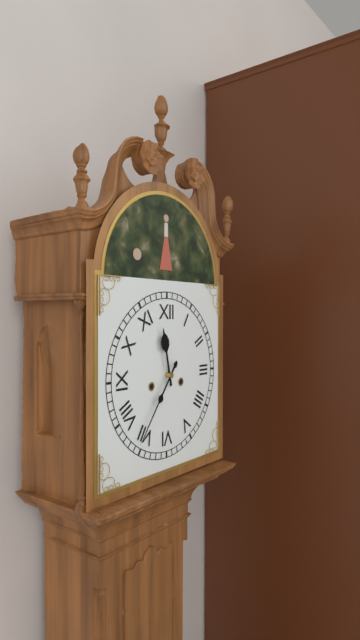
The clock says 11:36
